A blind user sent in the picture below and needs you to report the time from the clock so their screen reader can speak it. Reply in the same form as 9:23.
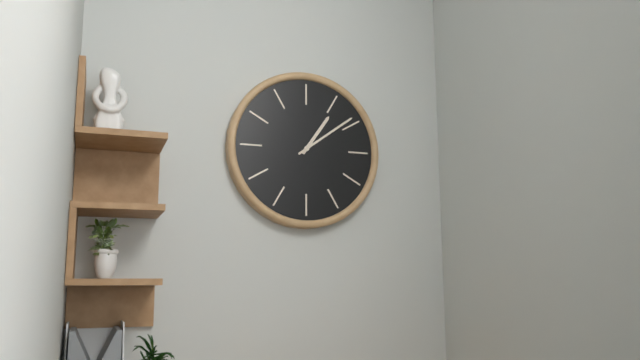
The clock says 1:09
